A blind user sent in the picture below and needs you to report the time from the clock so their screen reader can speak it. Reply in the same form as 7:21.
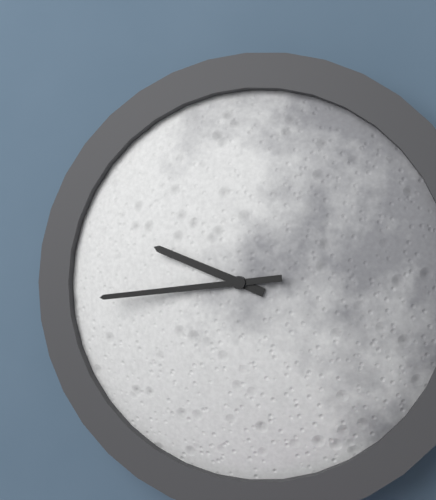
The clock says 9:44
